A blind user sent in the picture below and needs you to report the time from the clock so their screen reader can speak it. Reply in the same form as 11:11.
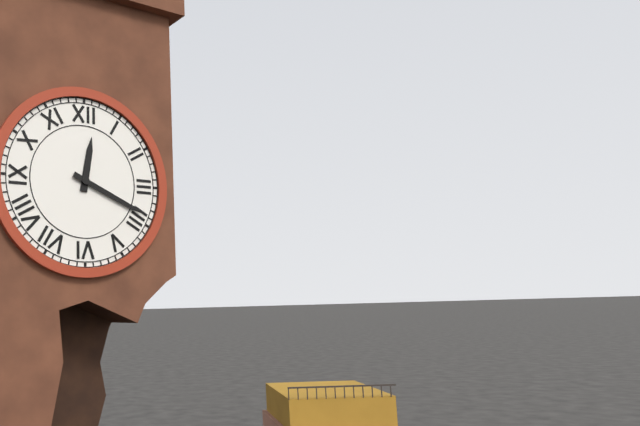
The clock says 12:19
